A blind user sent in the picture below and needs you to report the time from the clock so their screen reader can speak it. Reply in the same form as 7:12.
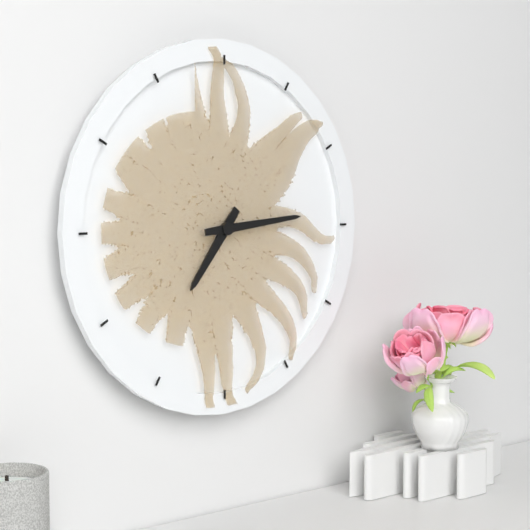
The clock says 7:14
